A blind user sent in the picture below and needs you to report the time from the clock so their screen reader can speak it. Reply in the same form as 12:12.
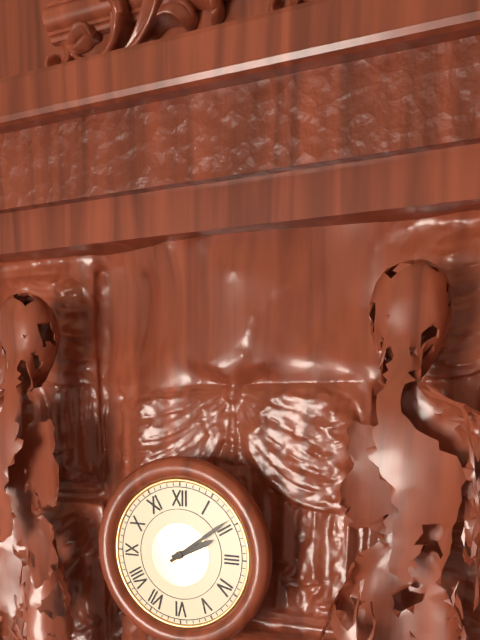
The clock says 2:09
